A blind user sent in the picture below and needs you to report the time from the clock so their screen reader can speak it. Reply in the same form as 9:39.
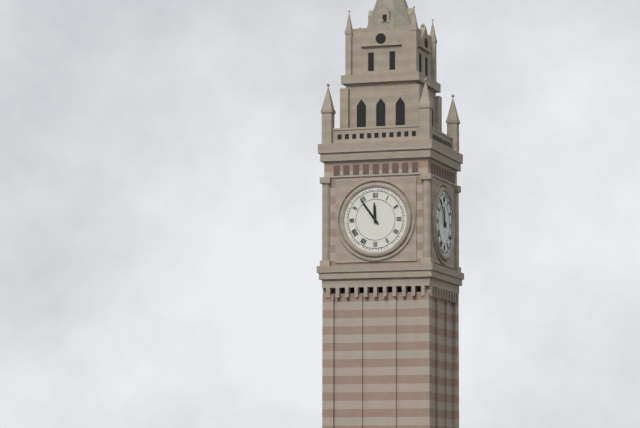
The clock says 11:54
